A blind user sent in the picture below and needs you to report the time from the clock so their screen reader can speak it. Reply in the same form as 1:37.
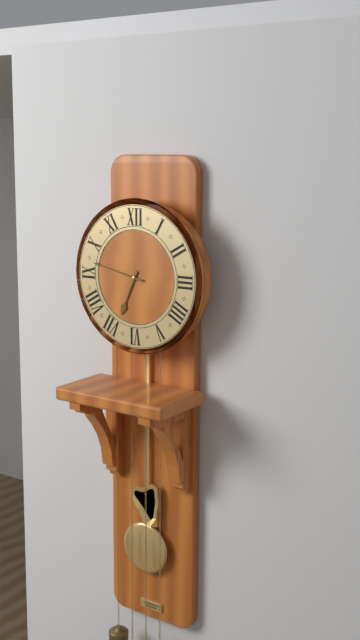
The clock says 6:47
